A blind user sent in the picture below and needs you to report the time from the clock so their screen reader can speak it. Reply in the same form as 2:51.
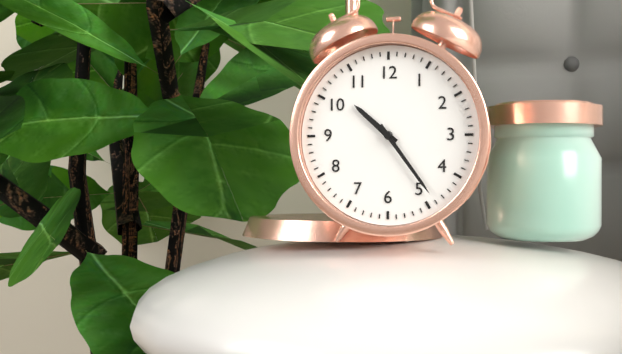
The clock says 10:24
